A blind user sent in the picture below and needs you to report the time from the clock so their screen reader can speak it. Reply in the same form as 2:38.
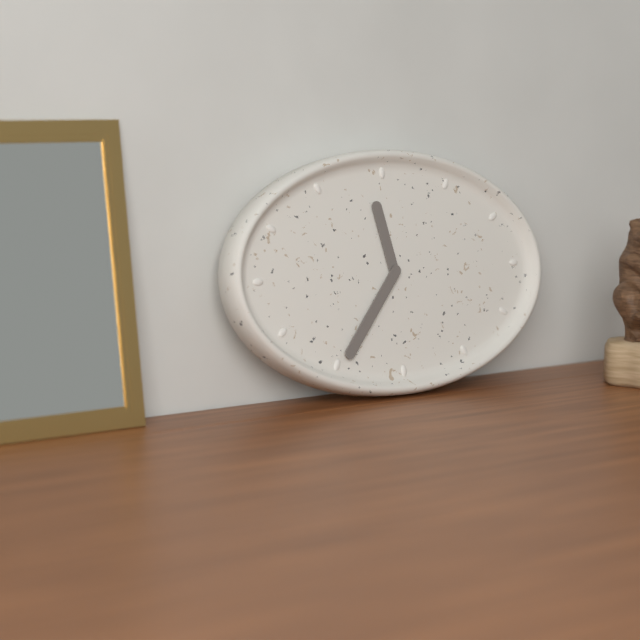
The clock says 11:37
